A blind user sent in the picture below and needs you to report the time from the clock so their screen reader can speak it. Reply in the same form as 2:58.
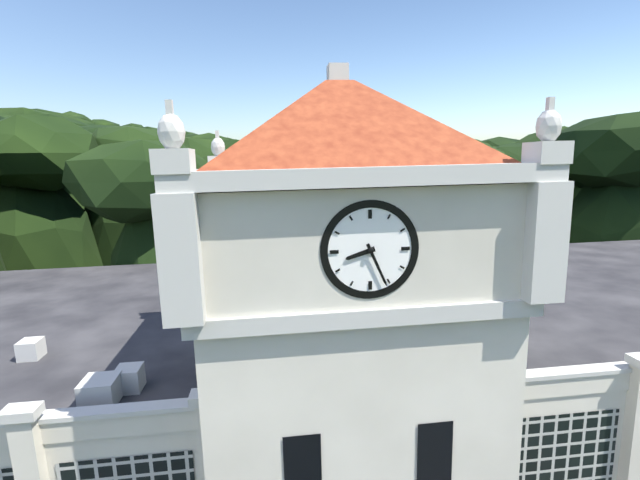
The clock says 8:26
